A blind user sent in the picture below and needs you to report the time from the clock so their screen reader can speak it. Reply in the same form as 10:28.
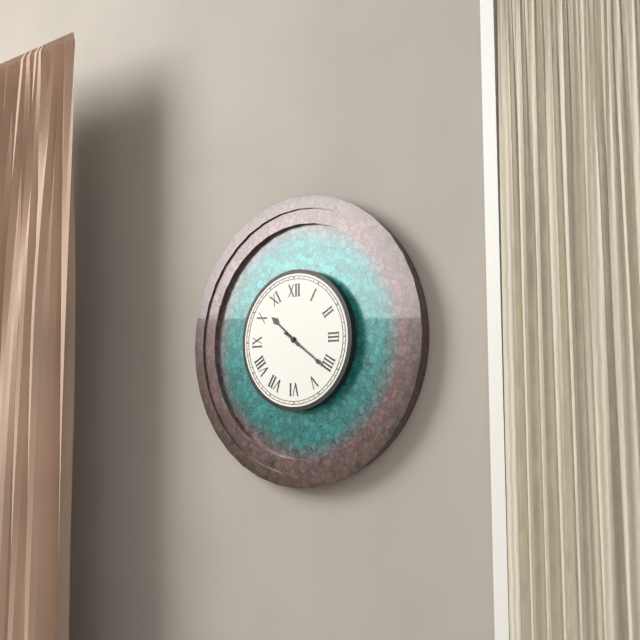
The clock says 10:21
